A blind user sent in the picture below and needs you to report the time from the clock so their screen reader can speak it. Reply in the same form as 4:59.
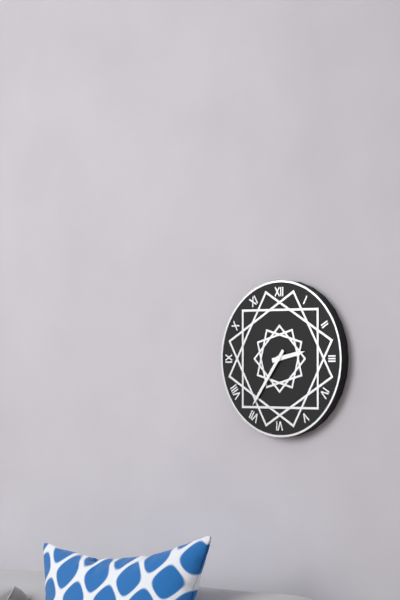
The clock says 2:36
